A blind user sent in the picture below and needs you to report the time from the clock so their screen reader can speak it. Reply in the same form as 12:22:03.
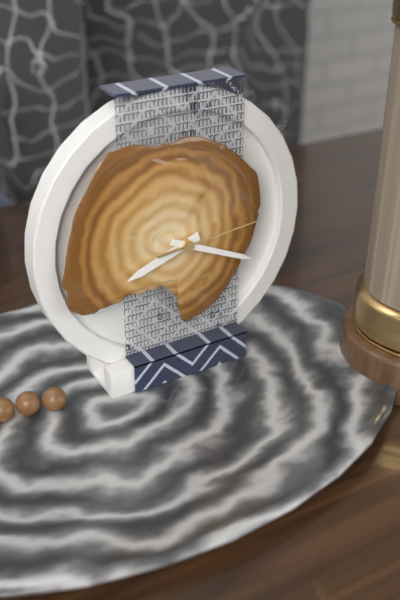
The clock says 8:19:14
